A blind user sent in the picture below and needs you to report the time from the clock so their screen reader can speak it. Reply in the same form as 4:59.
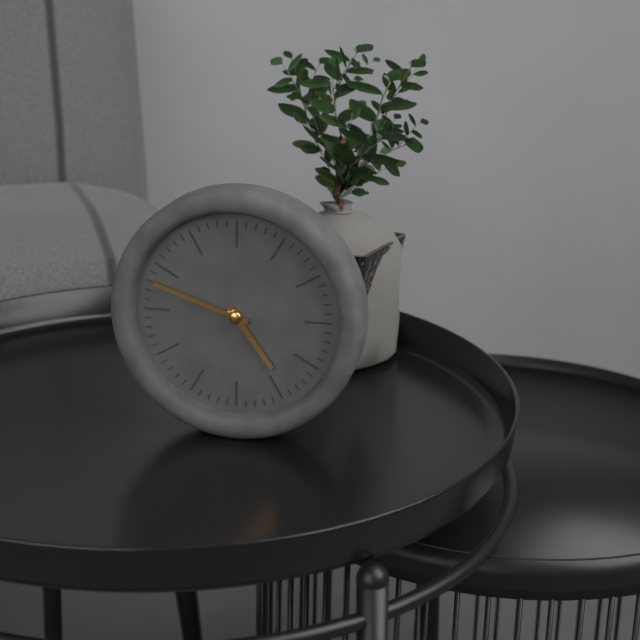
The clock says 4:48
